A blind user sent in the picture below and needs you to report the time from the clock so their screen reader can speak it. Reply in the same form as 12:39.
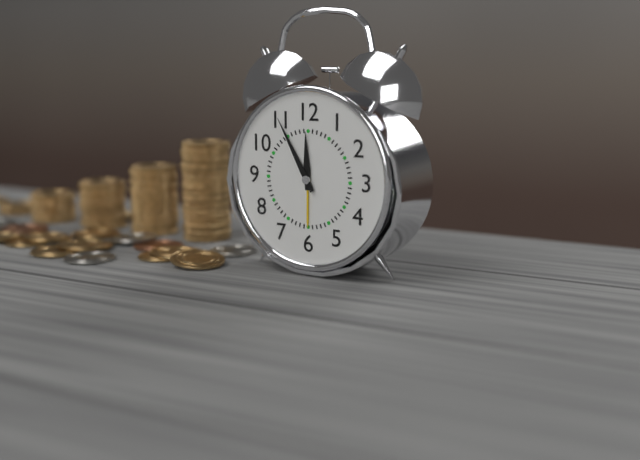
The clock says 11:55
